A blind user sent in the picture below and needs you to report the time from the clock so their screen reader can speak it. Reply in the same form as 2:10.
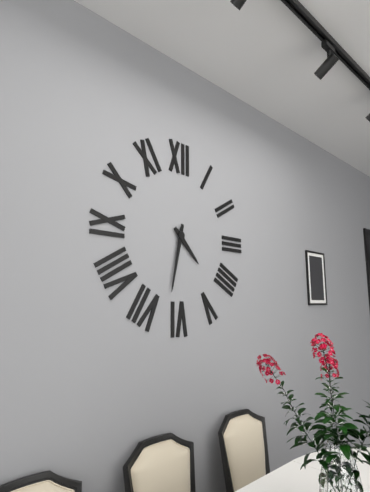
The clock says 4:32
